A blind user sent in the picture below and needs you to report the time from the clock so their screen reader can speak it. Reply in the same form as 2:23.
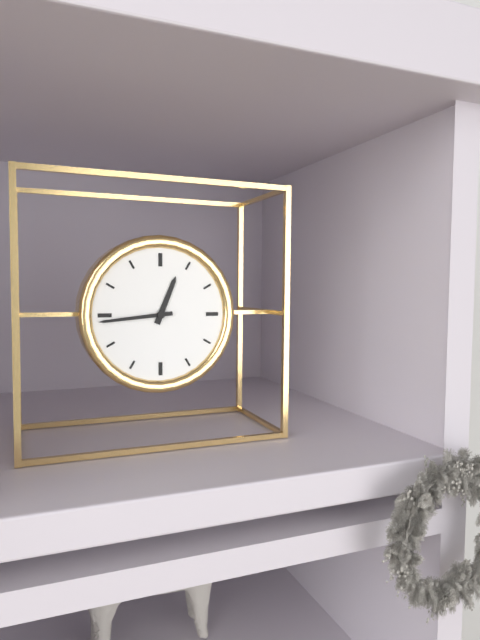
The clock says 12:44
